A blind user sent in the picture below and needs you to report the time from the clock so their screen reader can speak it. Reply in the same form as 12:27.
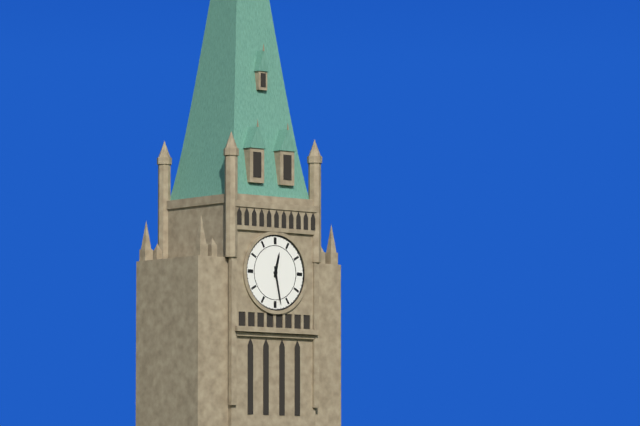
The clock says 12:28
